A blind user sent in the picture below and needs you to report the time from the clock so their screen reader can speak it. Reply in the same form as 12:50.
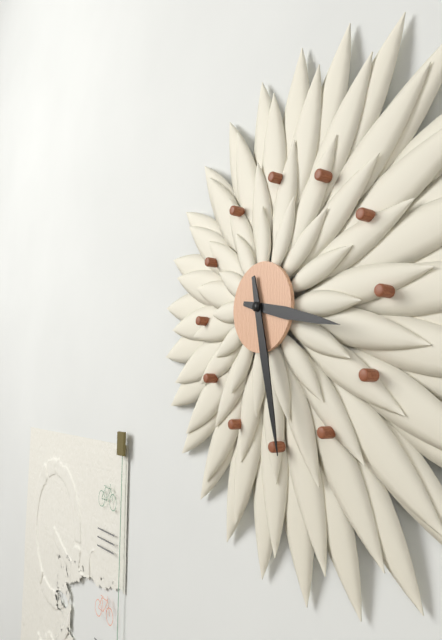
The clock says 3:28
